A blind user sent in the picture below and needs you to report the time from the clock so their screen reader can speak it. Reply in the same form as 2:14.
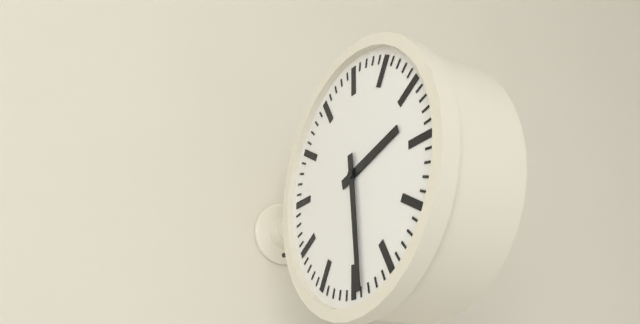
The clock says 2:29
